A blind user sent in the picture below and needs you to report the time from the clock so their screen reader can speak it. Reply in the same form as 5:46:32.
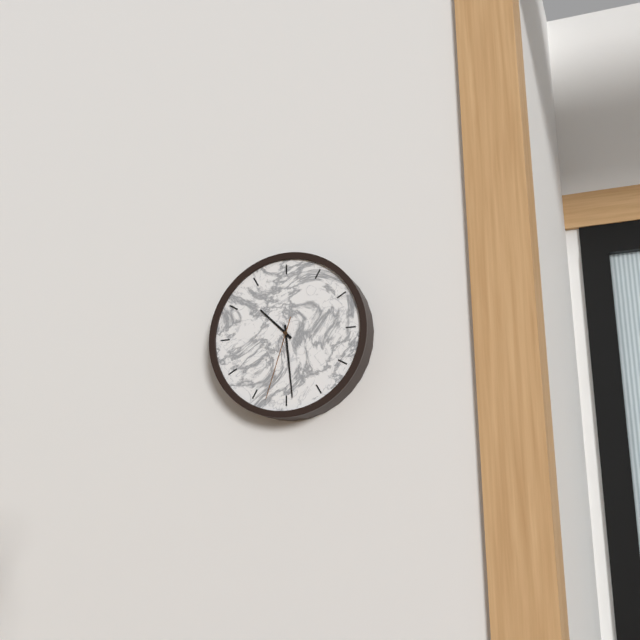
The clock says 10:29:33
